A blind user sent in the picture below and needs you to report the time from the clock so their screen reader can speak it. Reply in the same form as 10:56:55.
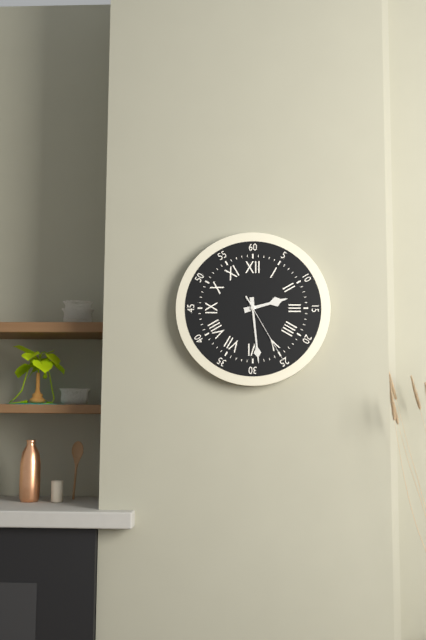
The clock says 2:29:25
